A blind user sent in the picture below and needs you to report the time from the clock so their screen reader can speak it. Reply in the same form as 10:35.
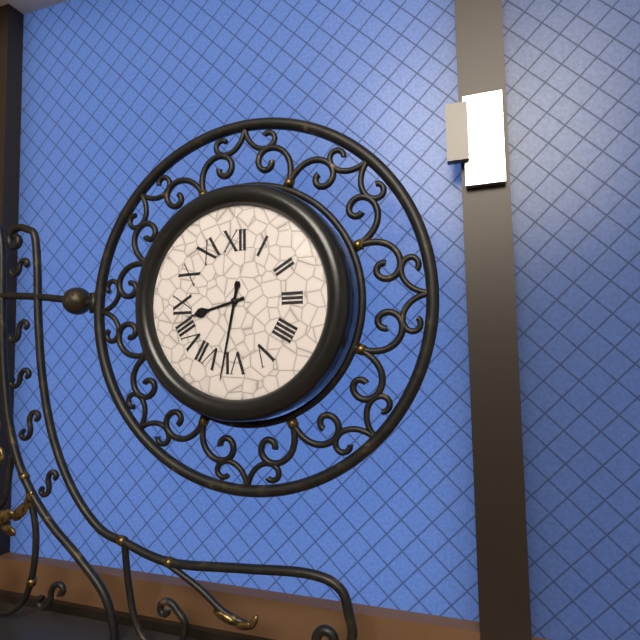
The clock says 8:32
